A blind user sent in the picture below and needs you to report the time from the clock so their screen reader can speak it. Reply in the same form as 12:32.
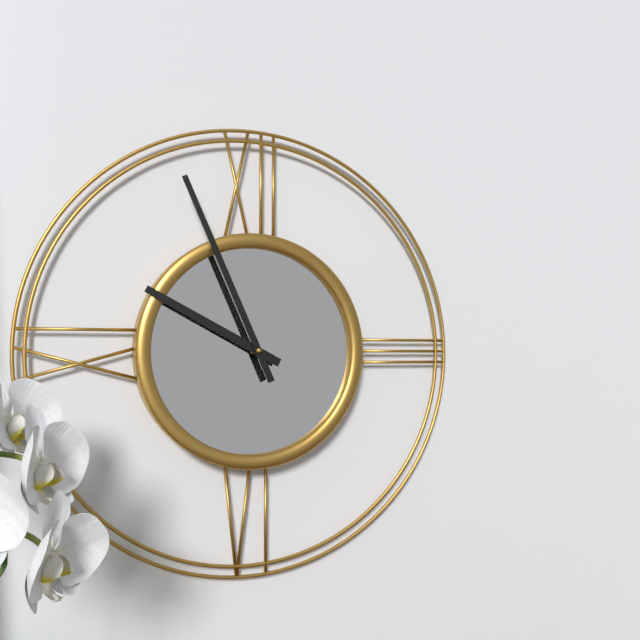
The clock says 9:56
